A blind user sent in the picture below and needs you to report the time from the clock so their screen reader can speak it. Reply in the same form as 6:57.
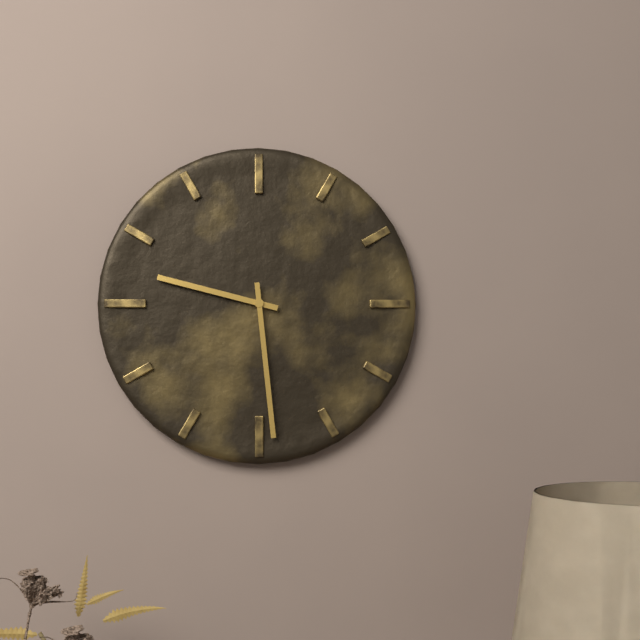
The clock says 9:29
